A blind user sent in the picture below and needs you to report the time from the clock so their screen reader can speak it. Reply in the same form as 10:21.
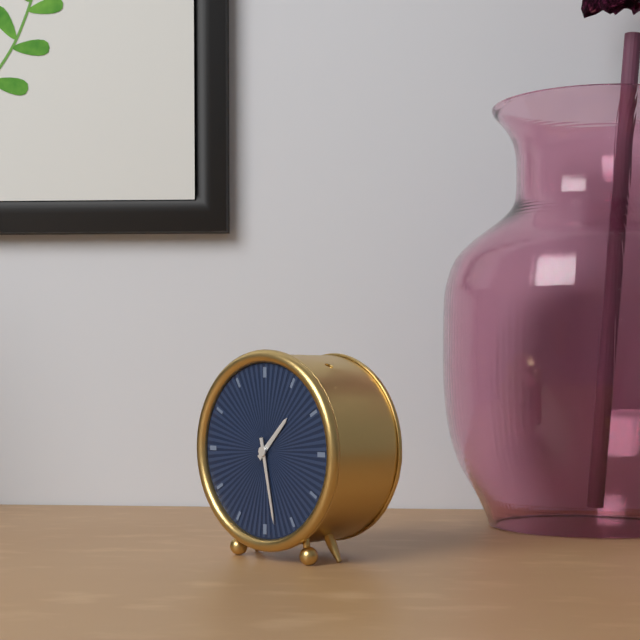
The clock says 1:28
